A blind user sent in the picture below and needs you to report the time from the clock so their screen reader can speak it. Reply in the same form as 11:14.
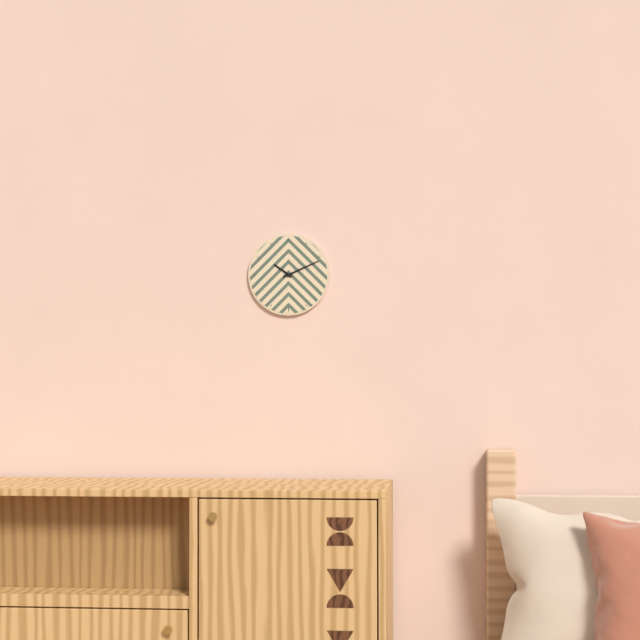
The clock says 10:11
